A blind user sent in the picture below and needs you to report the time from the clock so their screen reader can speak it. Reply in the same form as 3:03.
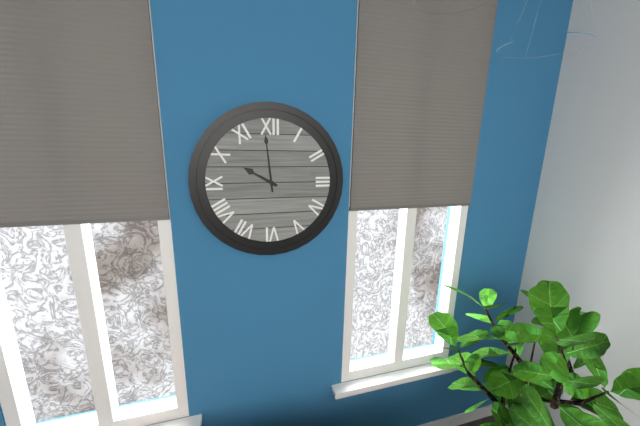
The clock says 9:59
